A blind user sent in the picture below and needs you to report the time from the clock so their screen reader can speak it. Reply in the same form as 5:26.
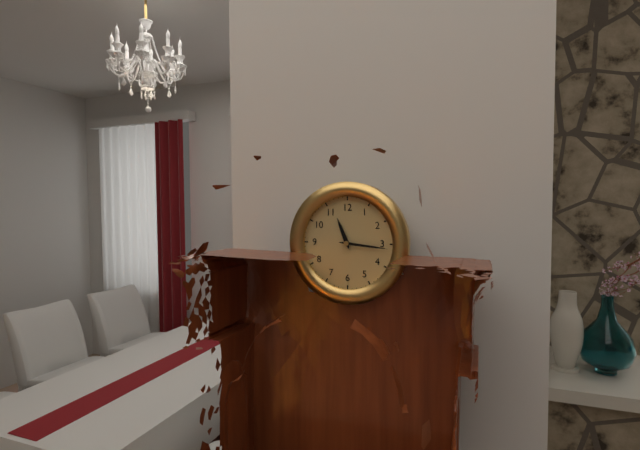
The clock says 11:16
